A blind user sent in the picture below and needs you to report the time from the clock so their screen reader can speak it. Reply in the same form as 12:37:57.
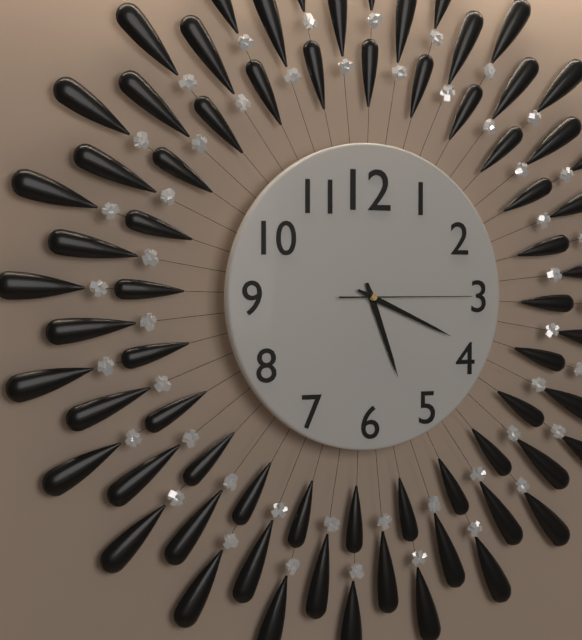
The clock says 5:19:15
